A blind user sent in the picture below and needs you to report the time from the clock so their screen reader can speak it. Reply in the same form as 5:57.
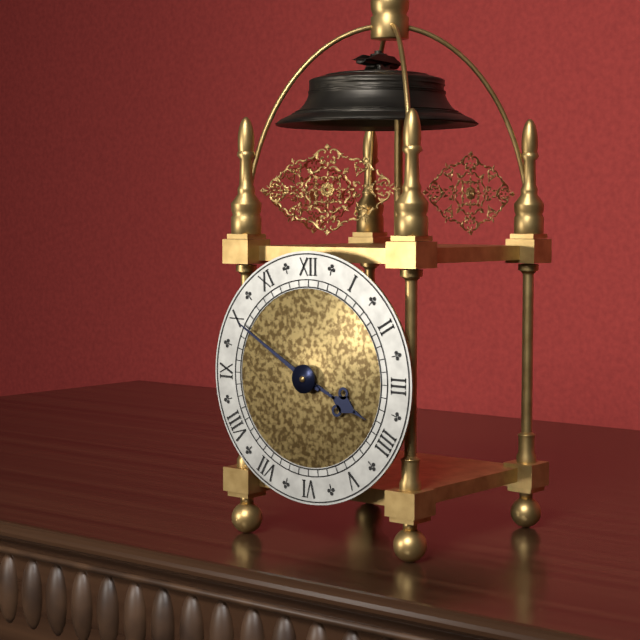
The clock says 3:50
